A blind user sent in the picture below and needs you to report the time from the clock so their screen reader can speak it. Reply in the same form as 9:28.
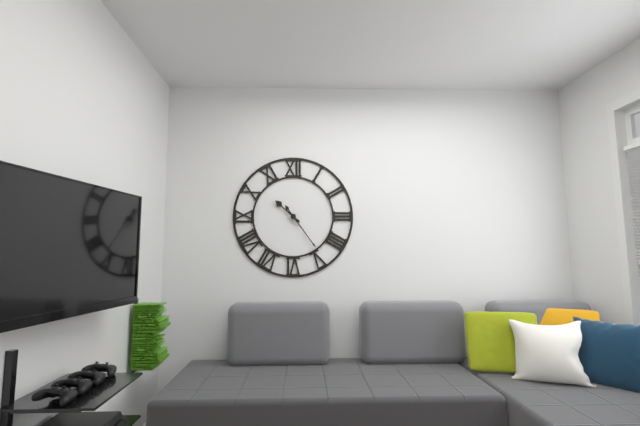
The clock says 10:24
